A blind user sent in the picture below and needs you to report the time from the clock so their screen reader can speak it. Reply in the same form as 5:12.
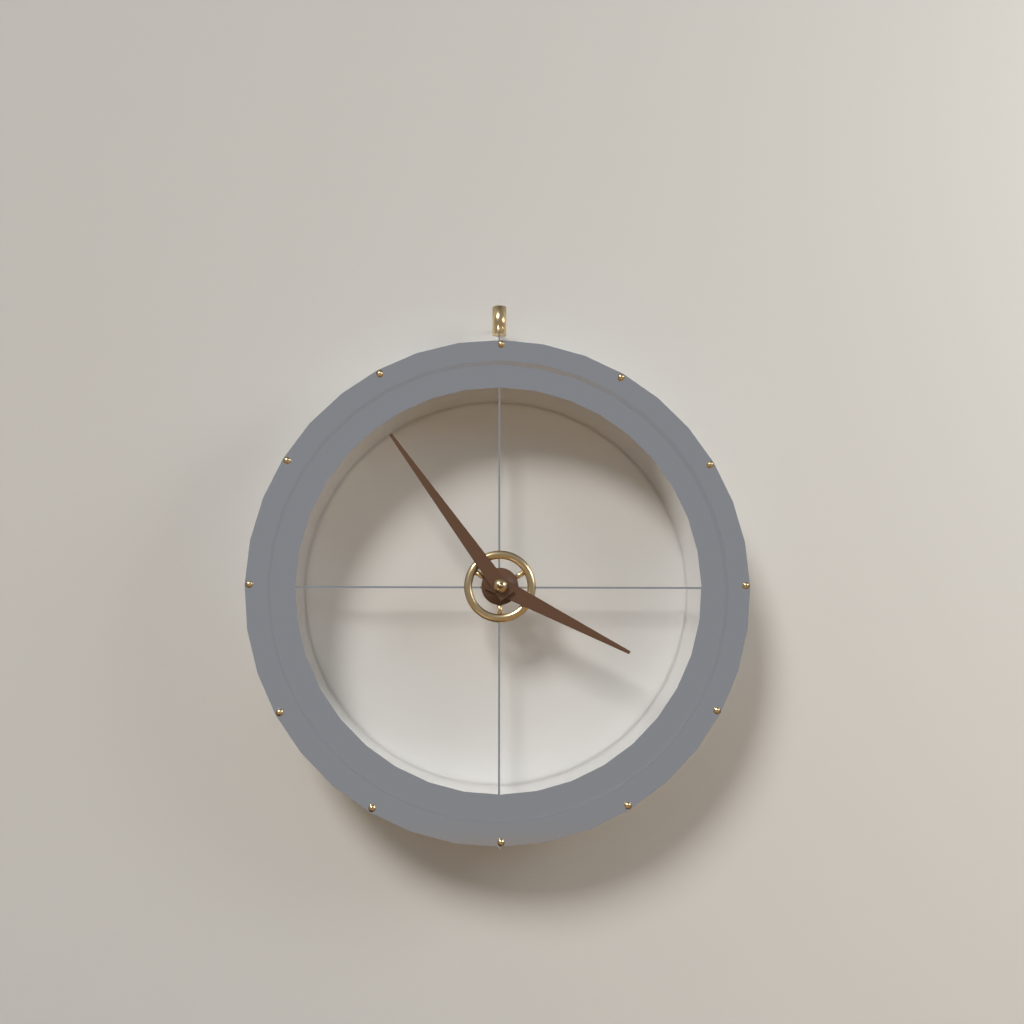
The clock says 3:54
